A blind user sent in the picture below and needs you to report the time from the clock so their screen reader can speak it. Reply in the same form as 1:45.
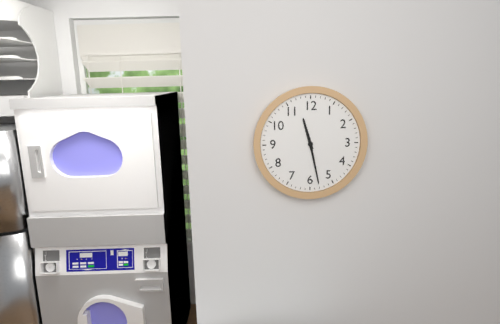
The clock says 11:28
